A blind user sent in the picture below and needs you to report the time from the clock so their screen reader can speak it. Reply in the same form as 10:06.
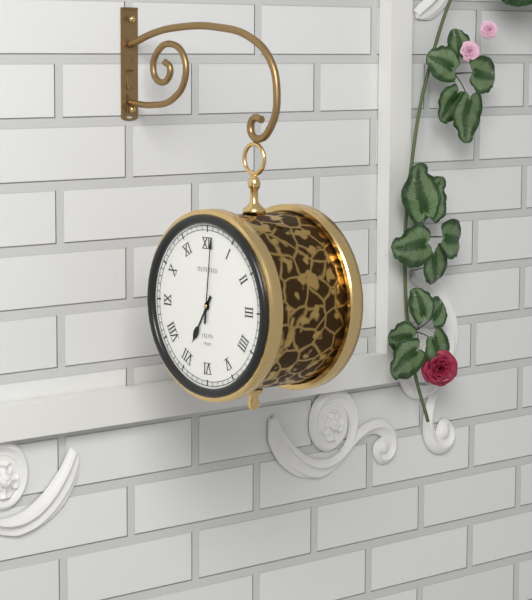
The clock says 7:01
